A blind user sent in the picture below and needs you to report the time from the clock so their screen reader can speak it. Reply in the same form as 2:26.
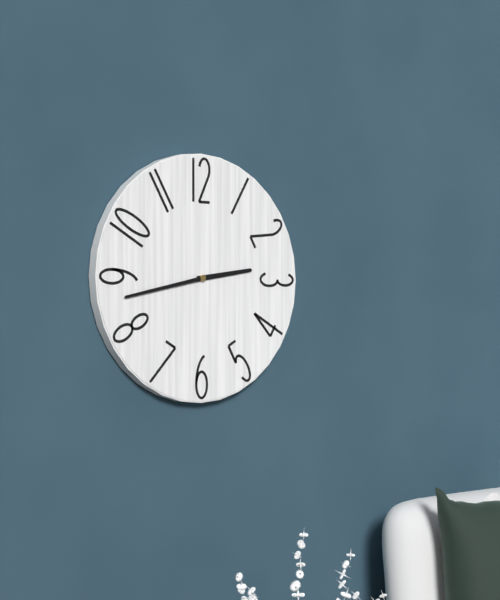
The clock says 2:43
